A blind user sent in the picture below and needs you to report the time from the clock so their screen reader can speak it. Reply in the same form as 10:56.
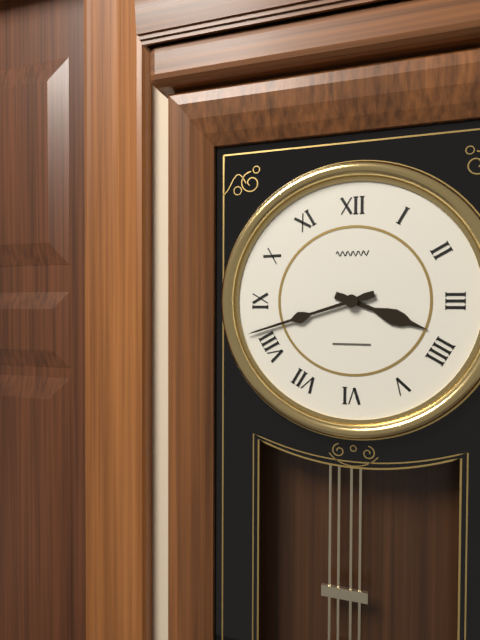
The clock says 3:42
